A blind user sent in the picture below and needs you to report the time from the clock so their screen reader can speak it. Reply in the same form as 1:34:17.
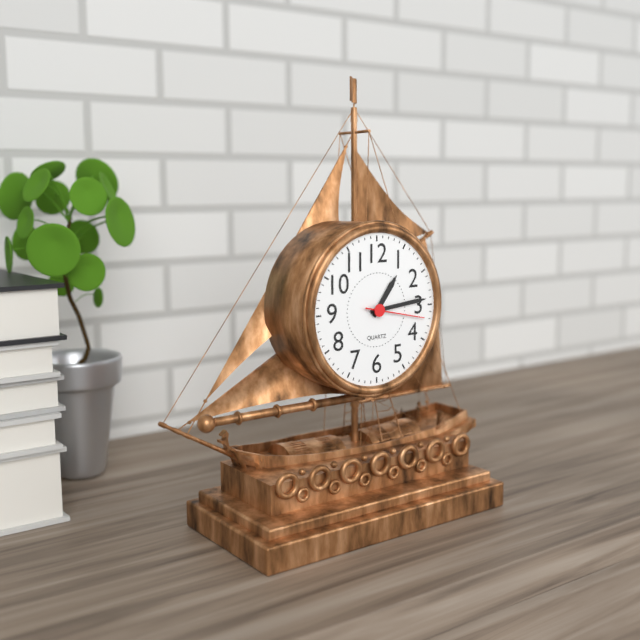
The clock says 1:14:17
